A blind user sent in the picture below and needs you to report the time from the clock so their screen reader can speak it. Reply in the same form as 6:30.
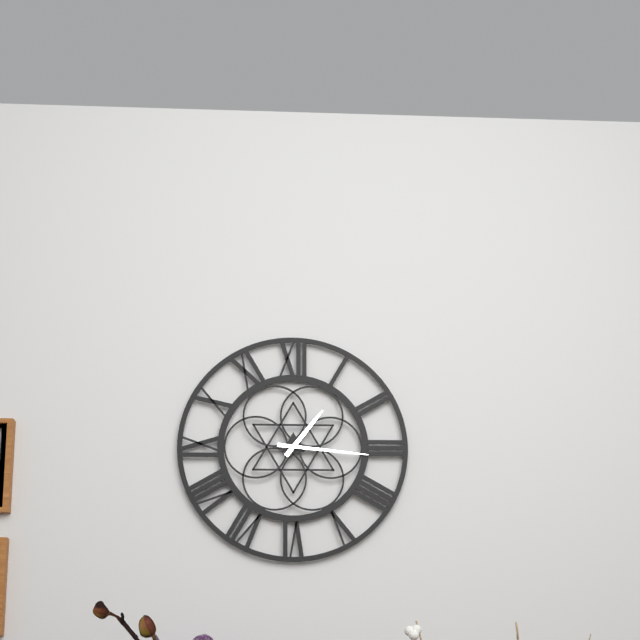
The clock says 1:16
